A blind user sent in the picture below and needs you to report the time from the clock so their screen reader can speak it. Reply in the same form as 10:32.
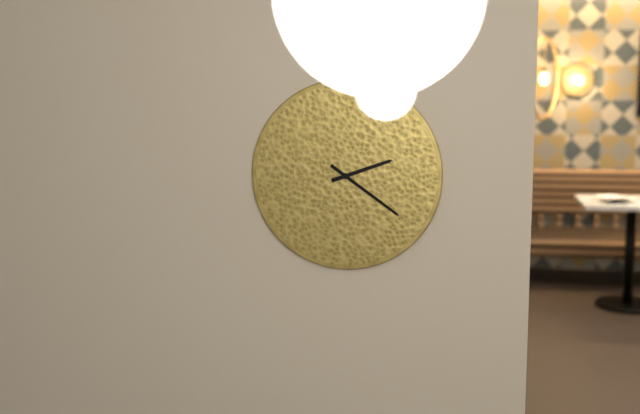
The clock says 2:21
